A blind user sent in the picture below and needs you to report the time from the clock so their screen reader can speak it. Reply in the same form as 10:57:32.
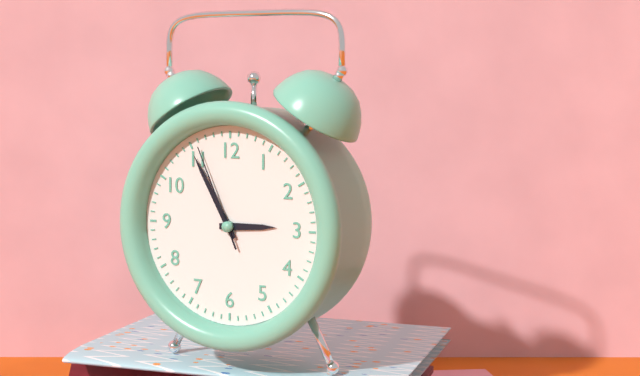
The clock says 2:55:56
